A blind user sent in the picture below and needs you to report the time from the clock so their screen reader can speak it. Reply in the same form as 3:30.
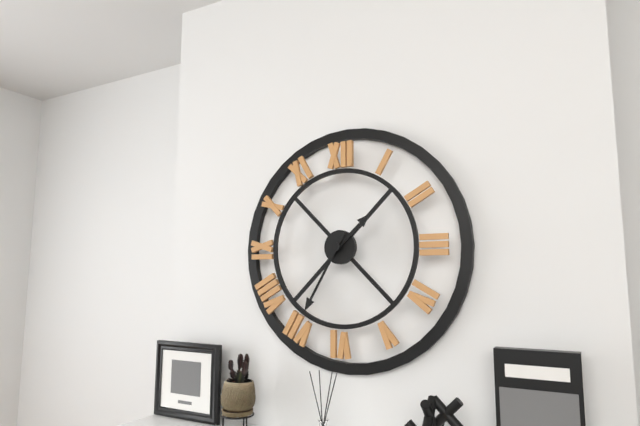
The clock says 1:35
